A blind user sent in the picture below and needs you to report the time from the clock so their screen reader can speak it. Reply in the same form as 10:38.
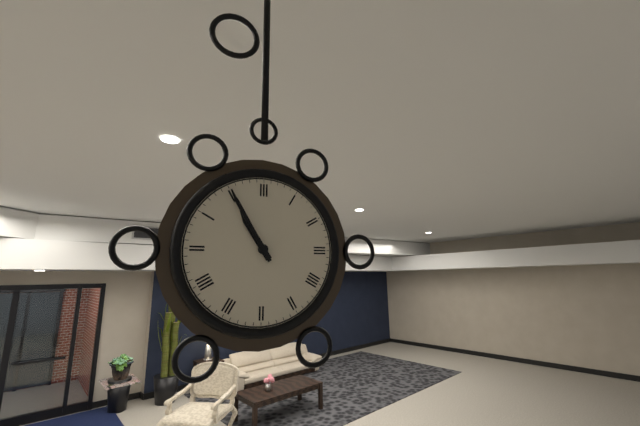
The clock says 10:55
